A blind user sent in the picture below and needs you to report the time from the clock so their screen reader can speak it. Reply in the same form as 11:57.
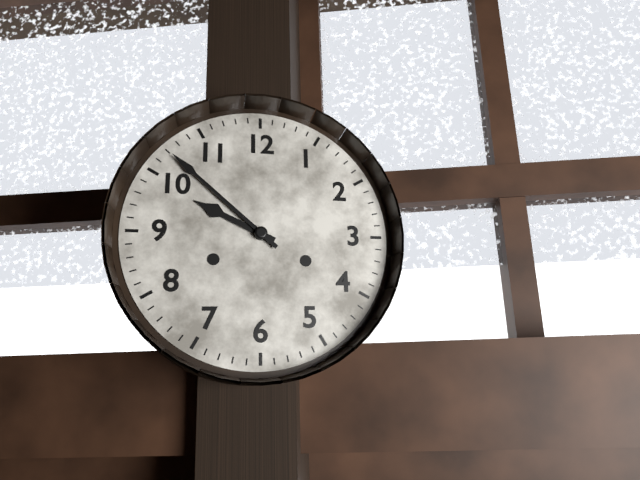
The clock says 9:52
